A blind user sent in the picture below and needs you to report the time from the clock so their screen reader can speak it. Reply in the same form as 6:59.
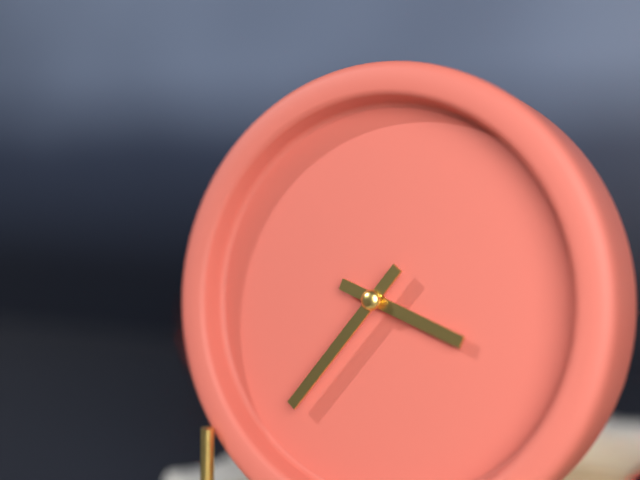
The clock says 3:36
